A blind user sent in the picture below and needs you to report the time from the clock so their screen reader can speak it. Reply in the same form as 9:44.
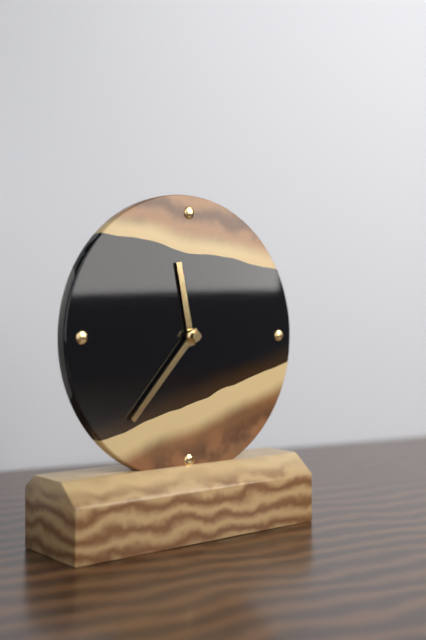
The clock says 11:37
